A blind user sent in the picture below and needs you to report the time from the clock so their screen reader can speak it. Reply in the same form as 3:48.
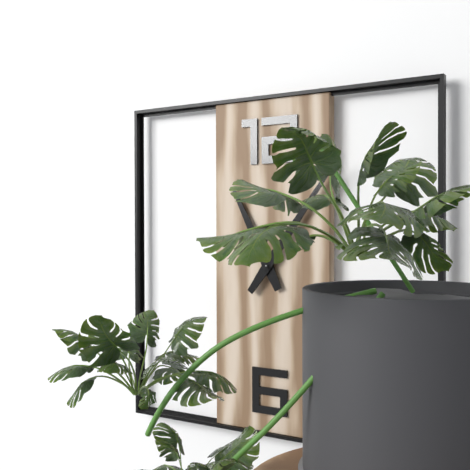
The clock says 11:06
